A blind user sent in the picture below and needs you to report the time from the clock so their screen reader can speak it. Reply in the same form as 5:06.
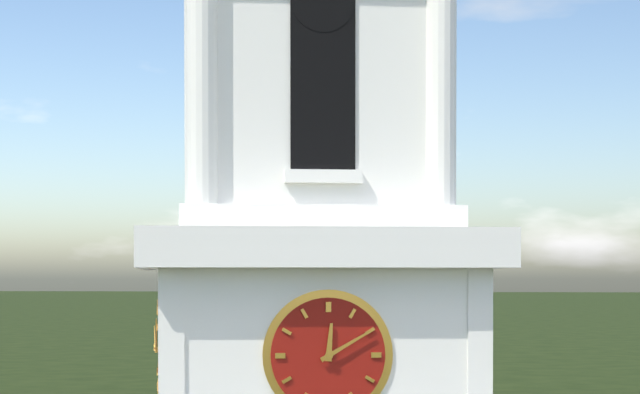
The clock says 12:10
